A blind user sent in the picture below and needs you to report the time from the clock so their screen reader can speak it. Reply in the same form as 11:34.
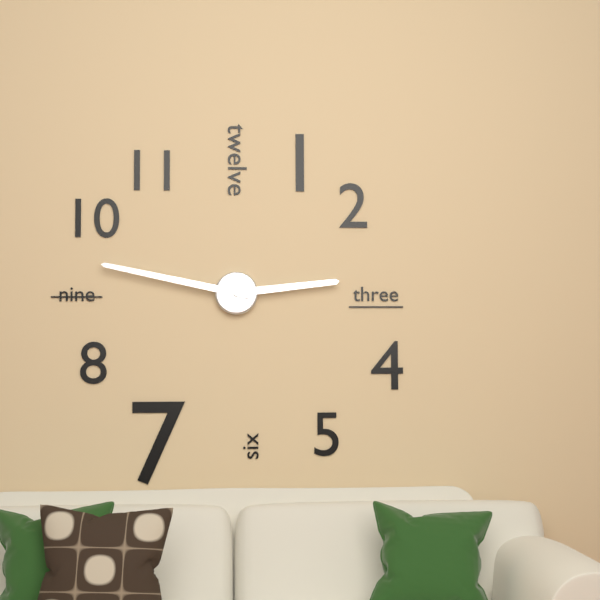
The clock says 2:47
